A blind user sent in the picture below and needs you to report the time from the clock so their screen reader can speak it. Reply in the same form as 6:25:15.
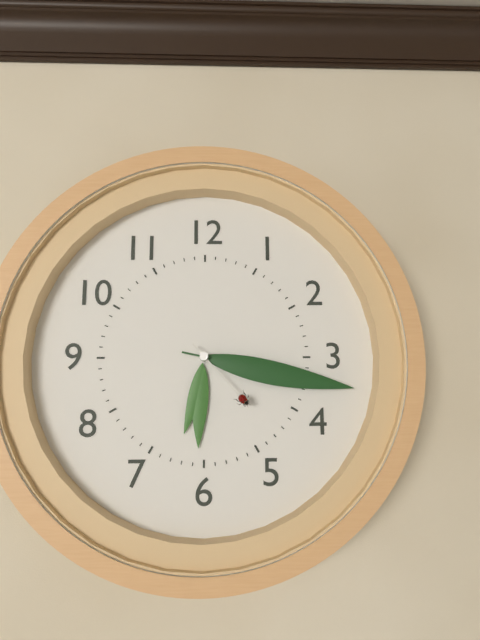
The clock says 6:17:23
